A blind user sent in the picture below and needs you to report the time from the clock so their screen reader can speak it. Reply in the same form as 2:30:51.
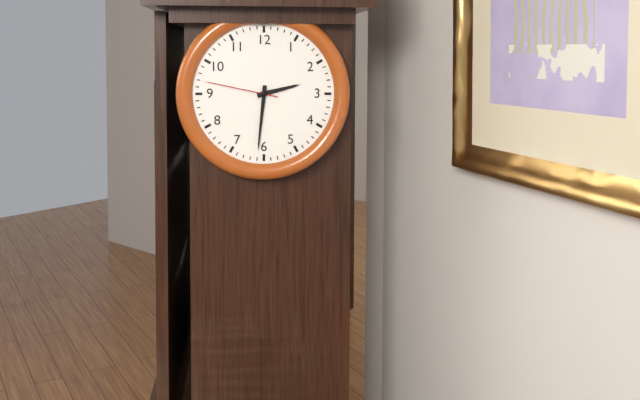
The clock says 2:31:47
